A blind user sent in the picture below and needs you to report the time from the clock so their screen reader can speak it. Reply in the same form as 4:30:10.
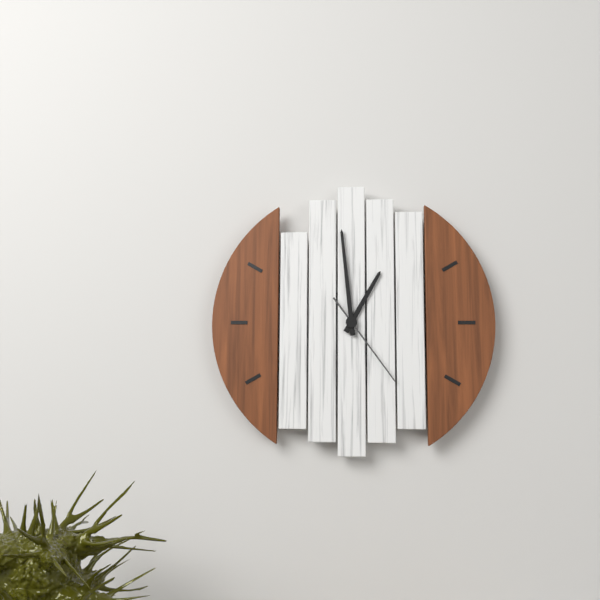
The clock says 12:59:24
